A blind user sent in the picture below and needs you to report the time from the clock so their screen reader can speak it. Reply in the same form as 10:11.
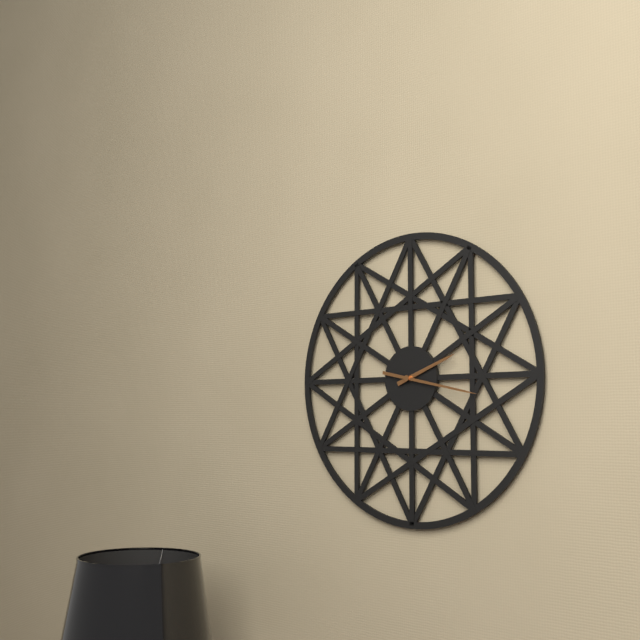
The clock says 2:17
